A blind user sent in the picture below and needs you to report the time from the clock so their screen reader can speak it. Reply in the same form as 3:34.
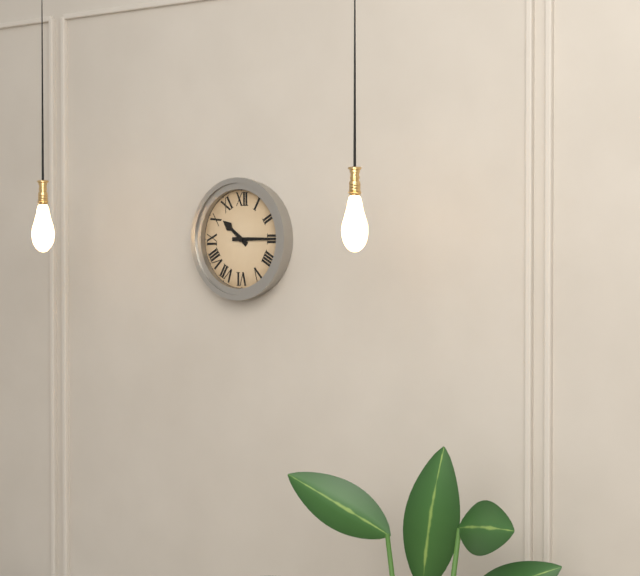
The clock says 10:15
